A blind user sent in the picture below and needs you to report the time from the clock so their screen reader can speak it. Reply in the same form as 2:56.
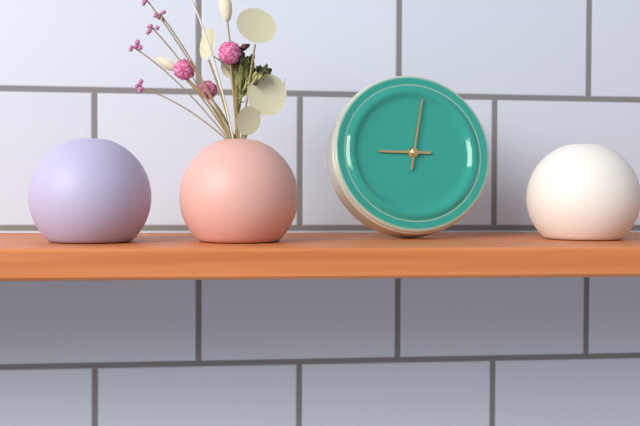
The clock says 9:02
